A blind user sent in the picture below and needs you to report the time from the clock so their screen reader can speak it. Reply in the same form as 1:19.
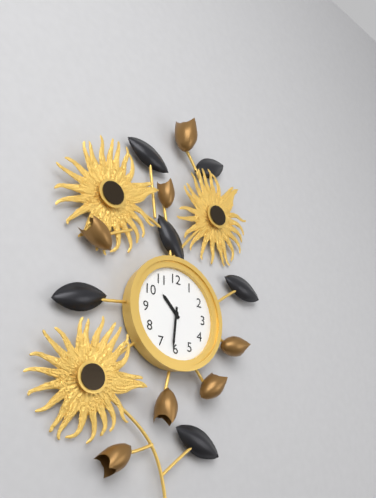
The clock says 10:31
